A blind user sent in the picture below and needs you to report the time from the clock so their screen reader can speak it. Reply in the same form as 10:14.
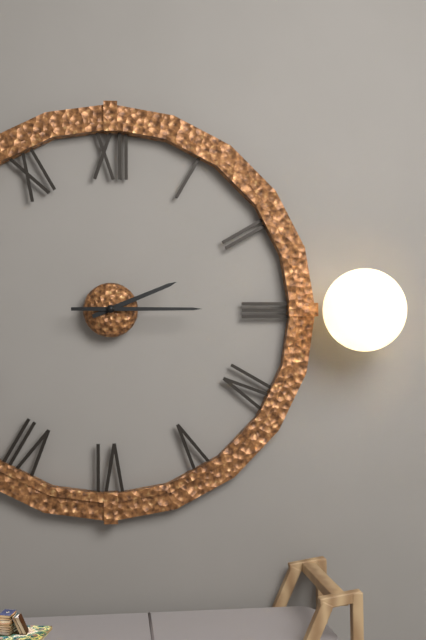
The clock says 2:15
